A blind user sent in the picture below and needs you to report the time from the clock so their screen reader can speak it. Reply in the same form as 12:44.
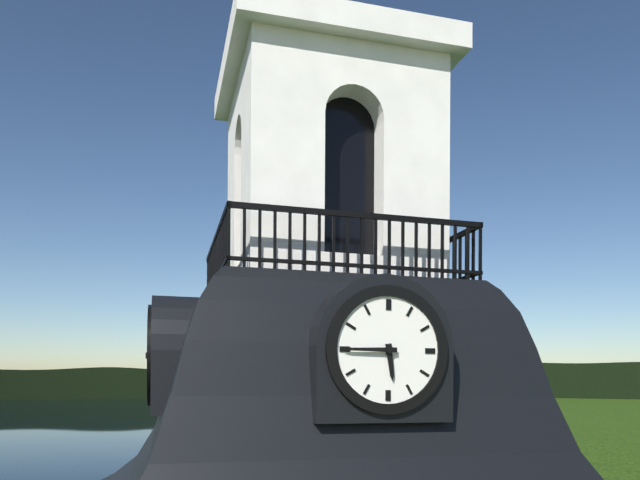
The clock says 5:45
